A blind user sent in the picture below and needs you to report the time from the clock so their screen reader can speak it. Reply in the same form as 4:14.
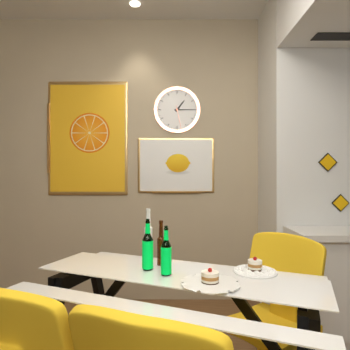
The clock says 1:15
